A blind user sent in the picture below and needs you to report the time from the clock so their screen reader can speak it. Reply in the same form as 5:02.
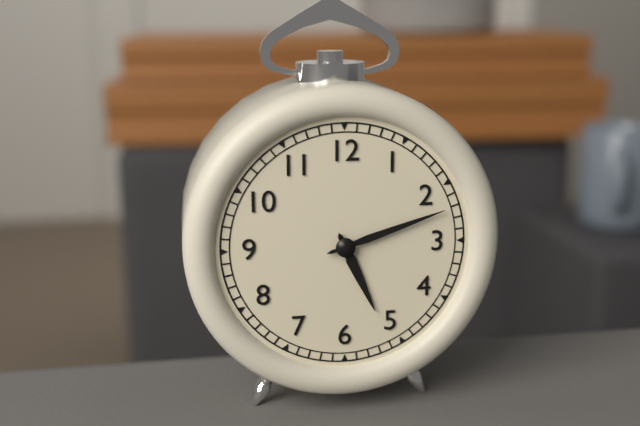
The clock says 5:12
